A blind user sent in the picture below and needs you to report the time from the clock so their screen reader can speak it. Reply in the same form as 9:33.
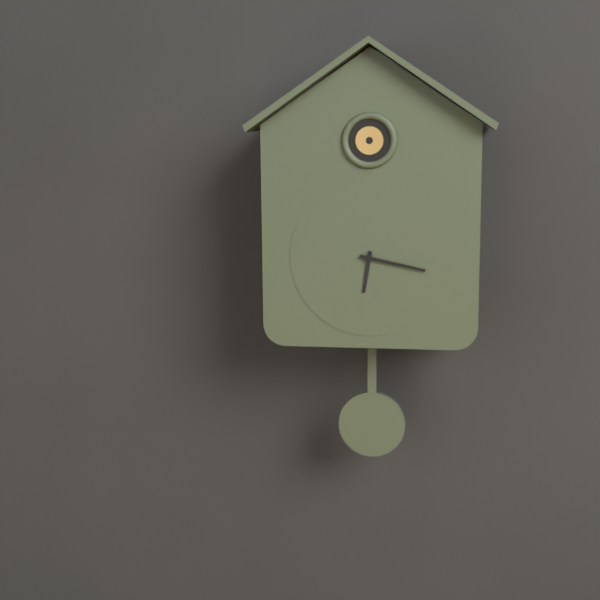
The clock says 6:17
